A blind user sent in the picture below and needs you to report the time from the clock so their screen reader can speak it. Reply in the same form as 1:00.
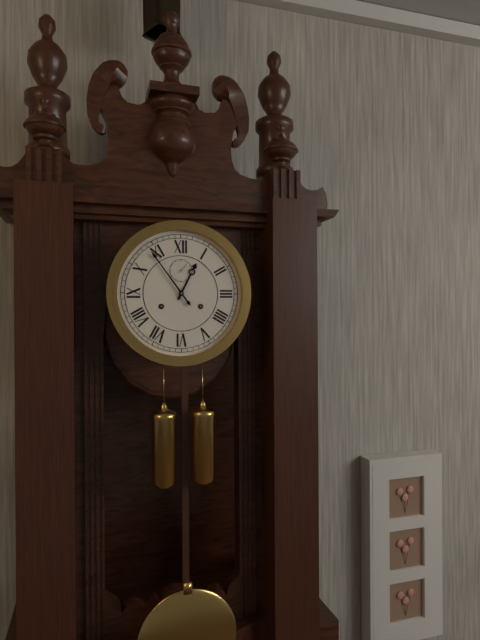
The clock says 12:54
